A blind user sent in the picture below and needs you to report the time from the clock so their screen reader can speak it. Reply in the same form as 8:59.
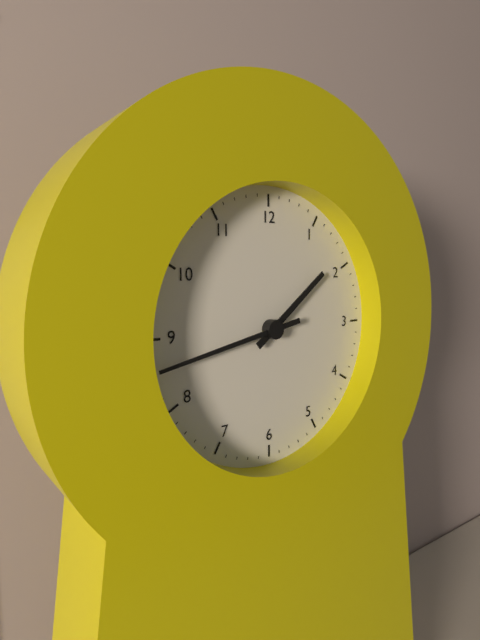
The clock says 1:43
